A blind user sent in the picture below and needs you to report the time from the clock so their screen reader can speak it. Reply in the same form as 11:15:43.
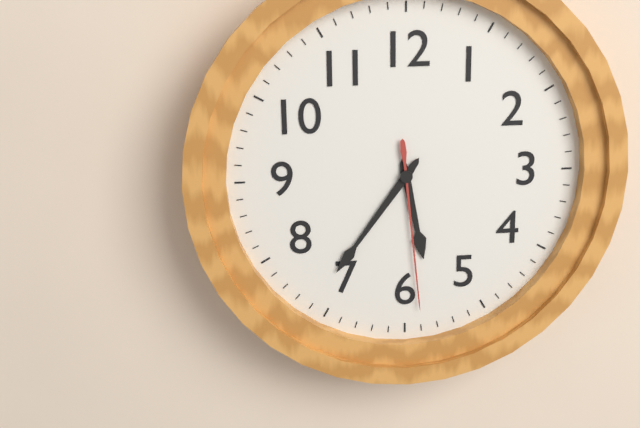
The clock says 5:36:29
